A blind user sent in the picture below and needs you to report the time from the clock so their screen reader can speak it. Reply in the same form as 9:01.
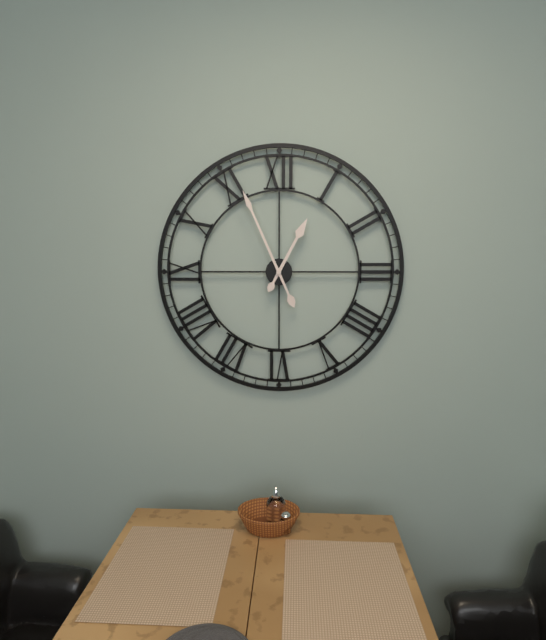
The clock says 12:56
